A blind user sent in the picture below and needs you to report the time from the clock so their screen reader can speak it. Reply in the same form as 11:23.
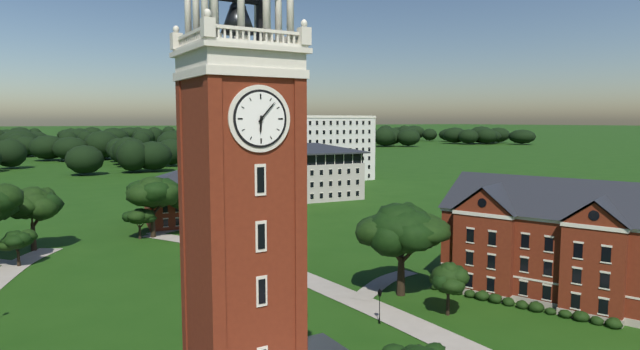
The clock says 6:07
